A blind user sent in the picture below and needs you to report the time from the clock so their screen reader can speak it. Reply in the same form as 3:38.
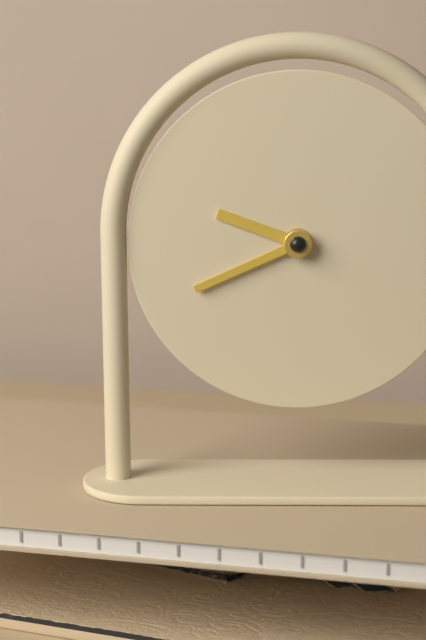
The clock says 9:41
